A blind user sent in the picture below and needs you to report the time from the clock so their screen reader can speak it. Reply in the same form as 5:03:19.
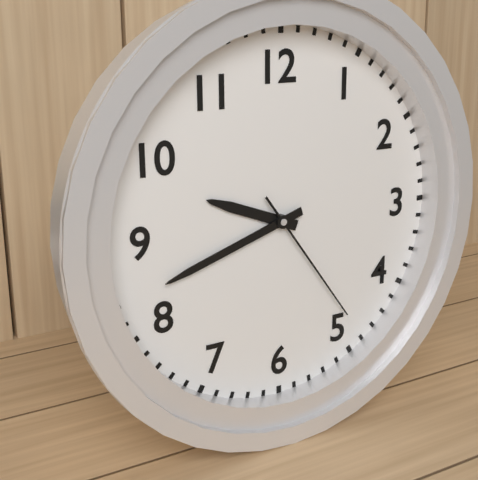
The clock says 9:42:24
